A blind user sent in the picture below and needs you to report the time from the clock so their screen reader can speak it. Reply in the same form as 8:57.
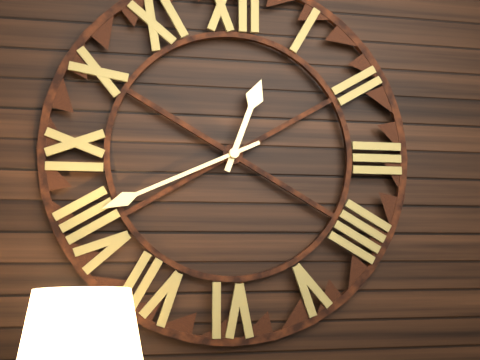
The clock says 12:41
